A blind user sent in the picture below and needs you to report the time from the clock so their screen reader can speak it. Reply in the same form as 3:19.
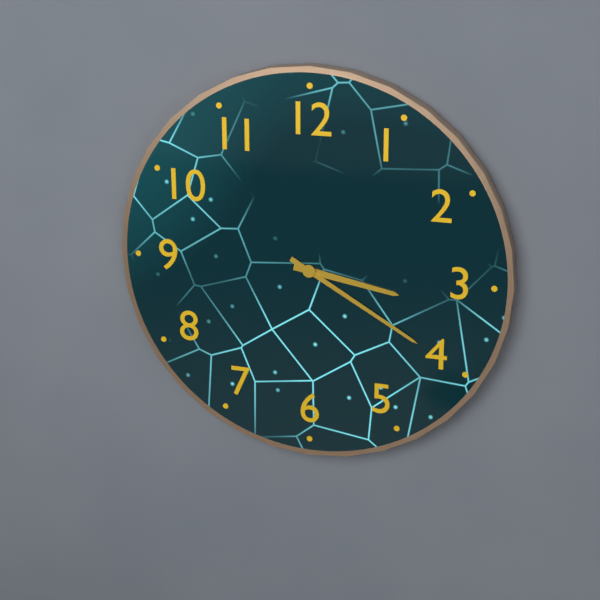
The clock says 3:20
